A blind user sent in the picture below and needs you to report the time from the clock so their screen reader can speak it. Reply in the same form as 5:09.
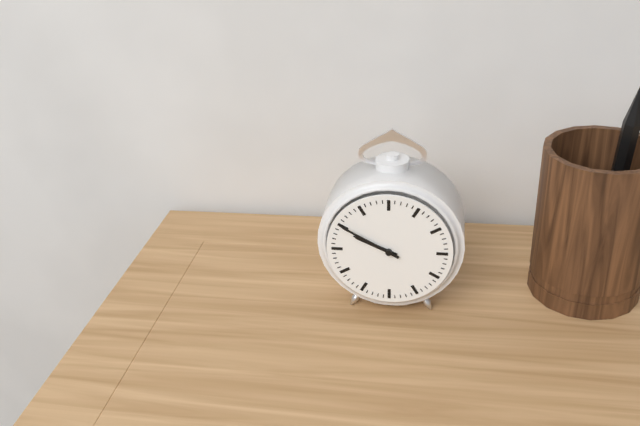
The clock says 9:50
